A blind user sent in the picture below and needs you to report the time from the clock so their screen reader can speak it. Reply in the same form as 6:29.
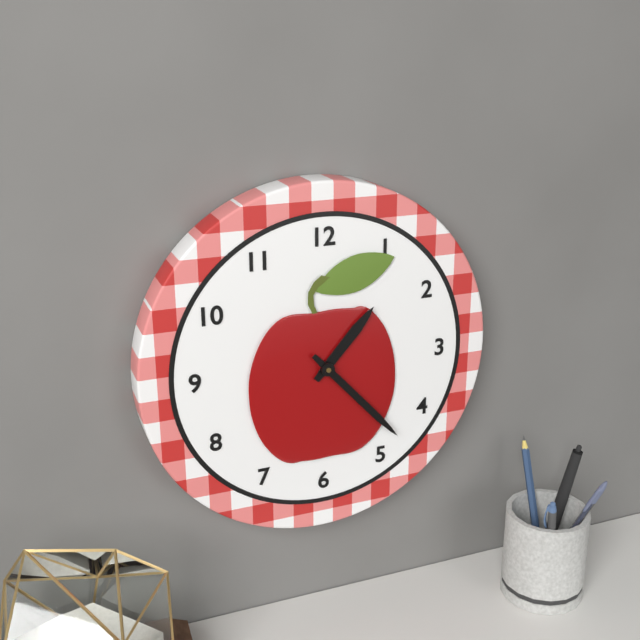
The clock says 1:23
